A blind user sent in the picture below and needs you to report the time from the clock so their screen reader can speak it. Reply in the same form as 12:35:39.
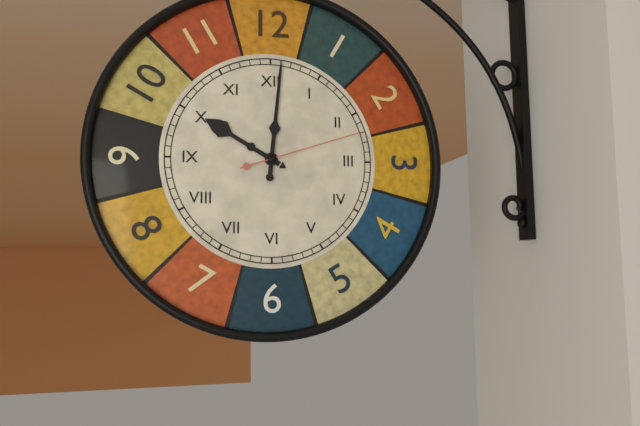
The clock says 10:01:12
